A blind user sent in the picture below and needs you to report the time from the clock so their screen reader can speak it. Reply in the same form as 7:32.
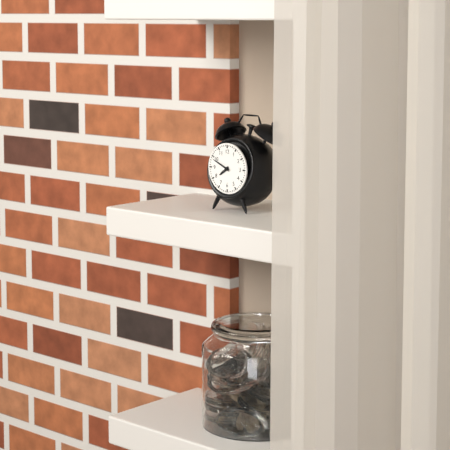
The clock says 7:49
